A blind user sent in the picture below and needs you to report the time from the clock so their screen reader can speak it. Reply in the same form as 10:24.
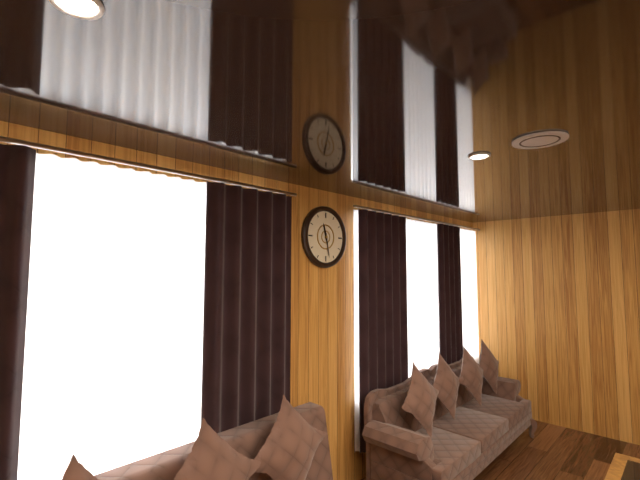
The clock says 11:28
